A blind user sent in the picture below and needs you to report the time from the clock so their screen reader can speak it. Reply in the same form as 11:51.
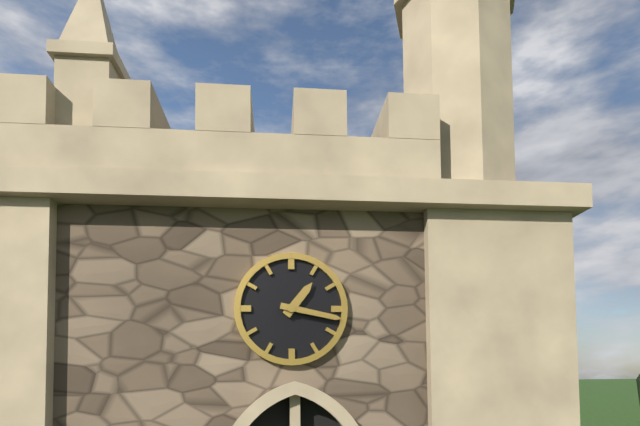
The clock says 1:17
